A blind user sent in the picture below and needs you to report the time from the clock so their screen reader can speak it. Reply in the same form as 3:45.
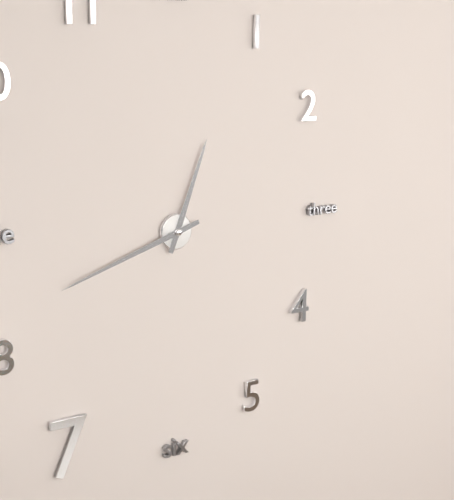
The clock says 12:42
